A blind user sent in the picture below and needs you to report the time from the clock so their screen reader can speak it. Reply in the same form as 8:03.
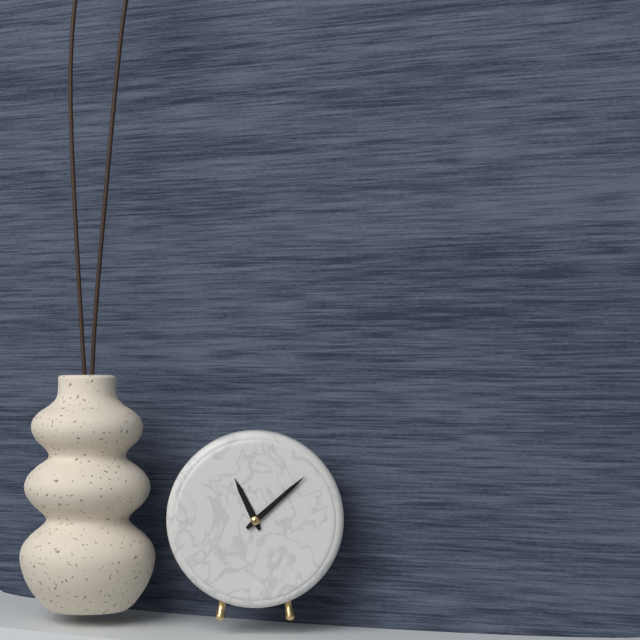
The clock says 11:08
